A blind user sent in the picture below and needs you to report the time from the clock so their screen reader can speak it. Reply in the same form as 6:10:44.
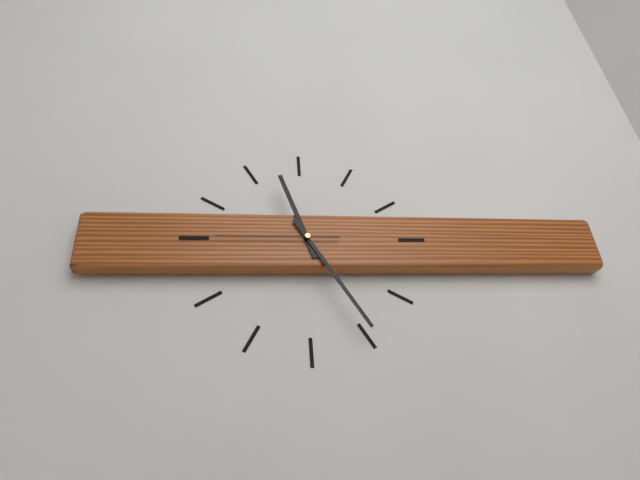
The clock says 11:25:45
